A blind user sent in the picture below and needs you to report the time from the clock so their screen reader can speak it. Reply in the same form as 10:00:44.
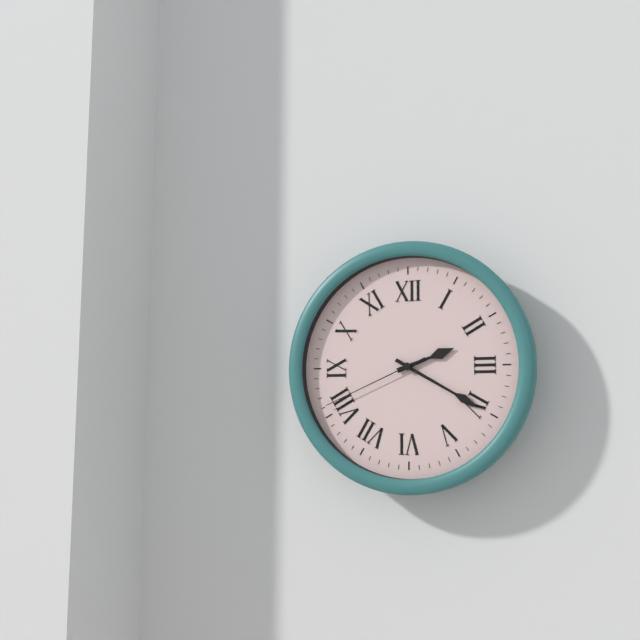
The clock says 2:20:41
